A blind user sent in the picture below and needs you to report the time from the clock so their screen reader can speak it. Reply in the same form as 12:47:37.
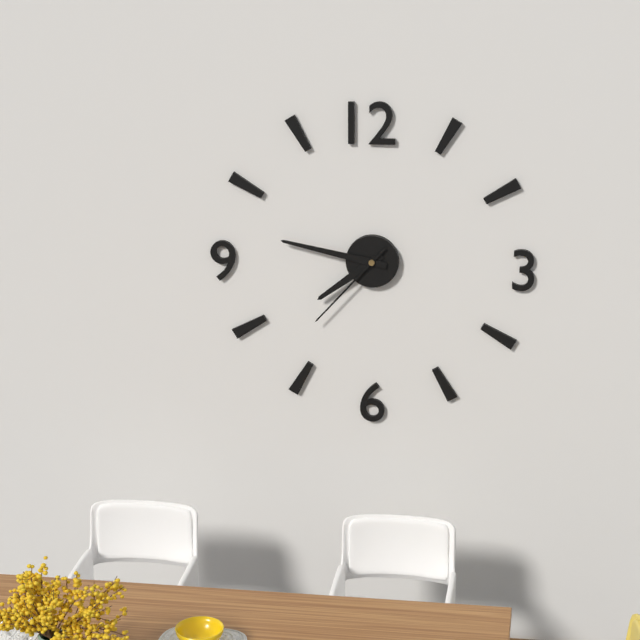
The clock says 7:47:37
